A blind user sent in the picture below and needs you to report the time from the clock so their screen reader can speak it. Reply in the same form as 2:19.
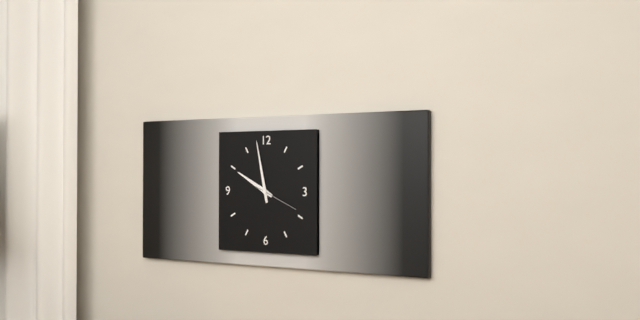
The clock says 9:58
